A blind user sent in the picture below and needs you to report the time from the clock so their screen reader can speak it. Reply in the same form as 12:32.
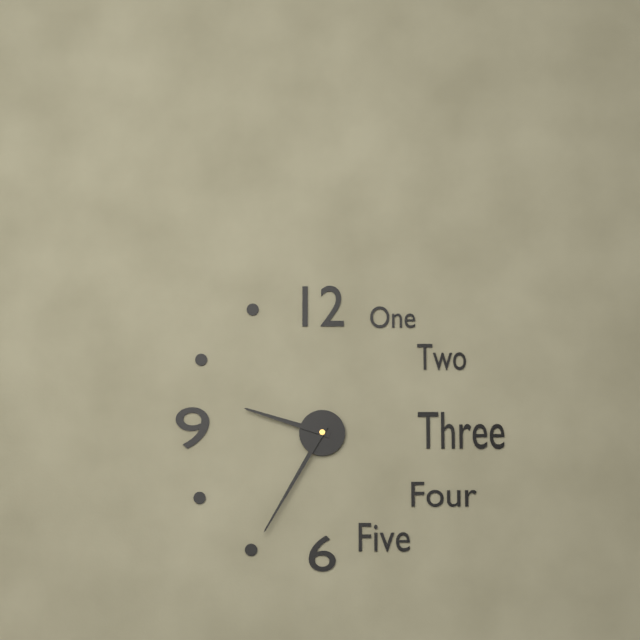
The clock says 9:35
